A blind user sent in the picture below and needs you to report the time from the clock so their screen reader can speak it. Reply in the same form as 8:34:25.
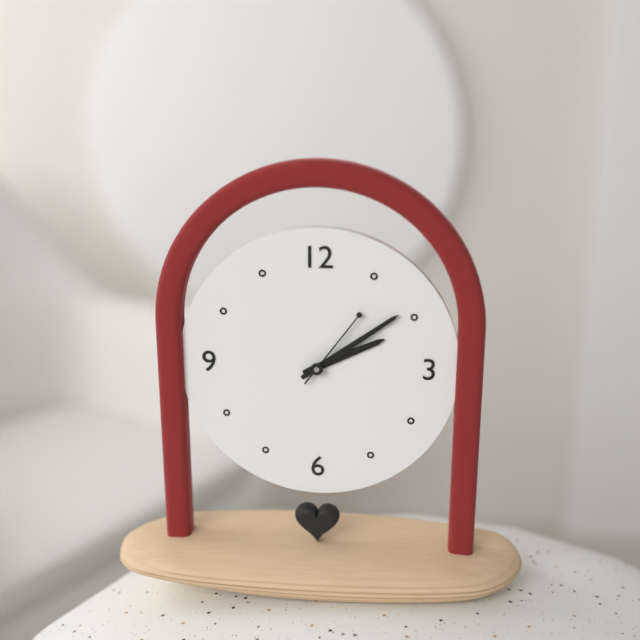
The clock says 2:09:06
